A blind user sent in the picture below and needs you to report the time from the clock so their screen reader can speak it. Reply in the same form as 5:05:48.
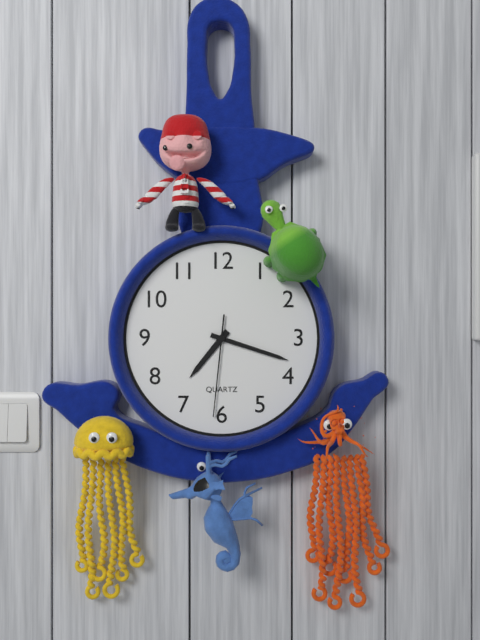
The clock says 7:18:31
